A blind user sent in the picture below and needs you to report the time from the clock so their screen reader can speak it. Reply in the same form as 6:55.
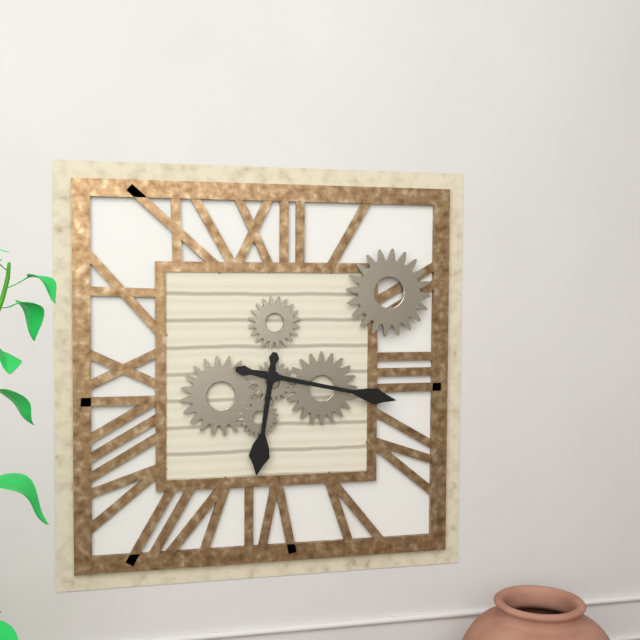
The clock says 6:17
